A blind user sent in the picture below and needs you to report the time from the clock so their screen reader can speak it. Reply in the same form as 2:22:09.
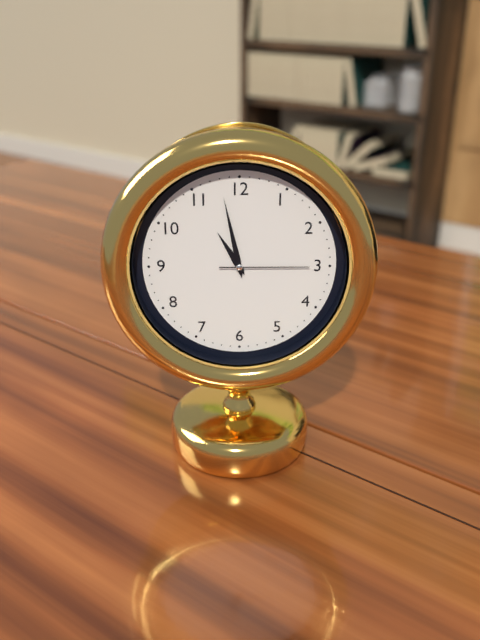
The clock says 10:58:15
